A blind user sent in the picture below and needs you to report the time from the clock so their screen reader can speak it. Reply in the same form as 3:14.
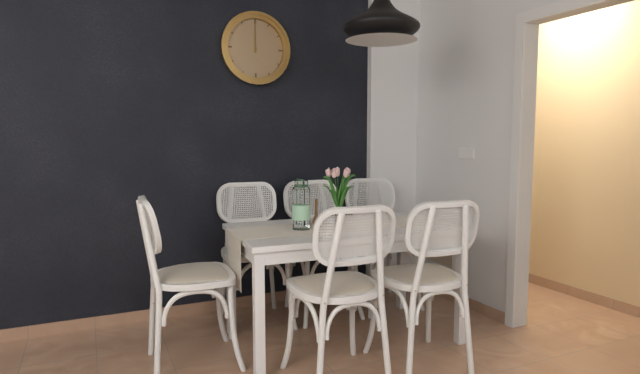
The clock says 12:00
